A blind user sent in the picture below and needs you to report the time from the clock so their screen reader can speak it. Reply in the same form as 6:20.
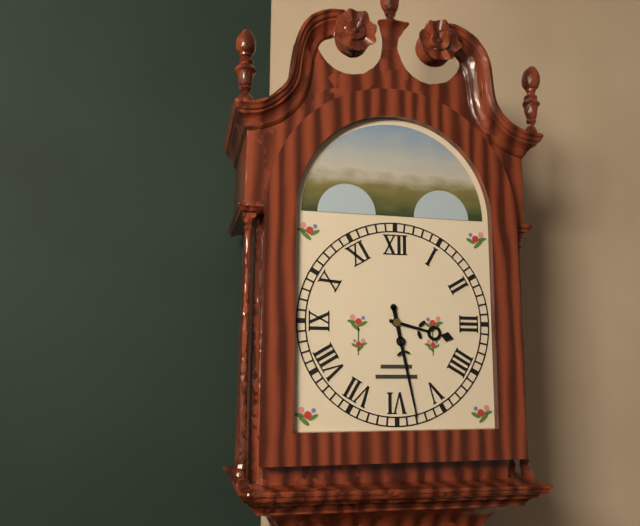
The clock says 3:28
